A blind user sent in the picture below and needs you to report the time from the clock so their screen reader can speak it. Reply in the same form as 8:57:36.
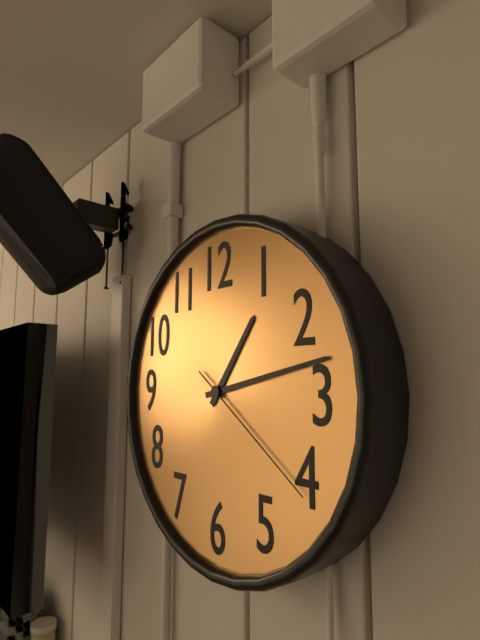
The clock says 1:13:21
